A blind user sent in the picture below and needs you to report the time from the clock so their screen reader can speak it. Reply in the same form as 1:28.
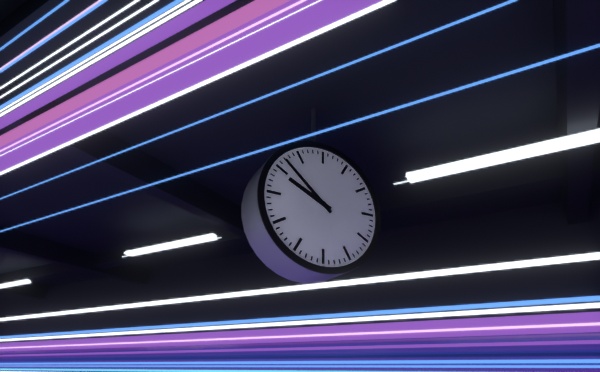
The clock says 9:52
